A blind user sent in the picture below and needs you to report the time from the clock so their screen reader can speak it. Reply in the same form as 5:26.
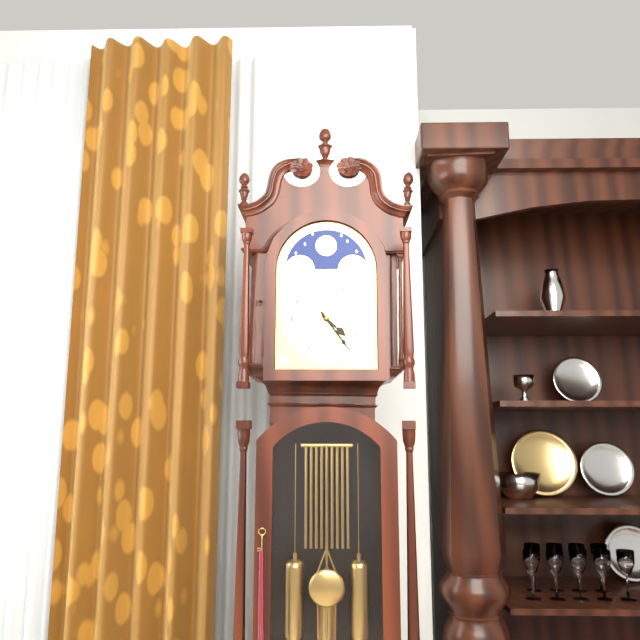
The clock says 4:24
